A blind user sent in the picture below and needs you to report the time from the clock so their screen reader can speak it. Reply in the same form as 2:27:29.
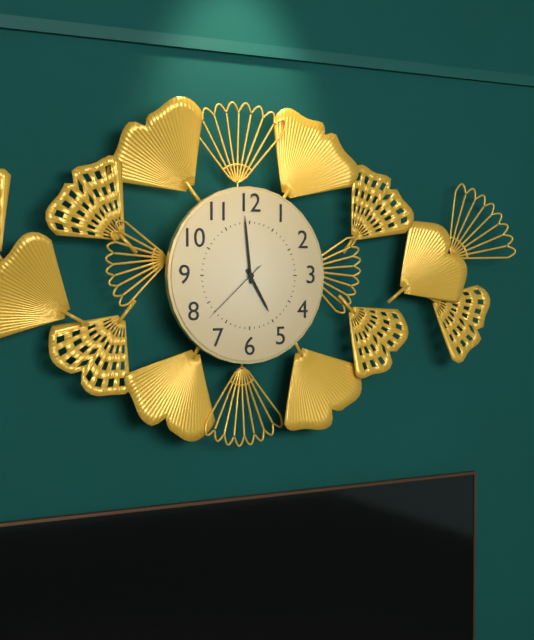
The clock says 4:59:38
